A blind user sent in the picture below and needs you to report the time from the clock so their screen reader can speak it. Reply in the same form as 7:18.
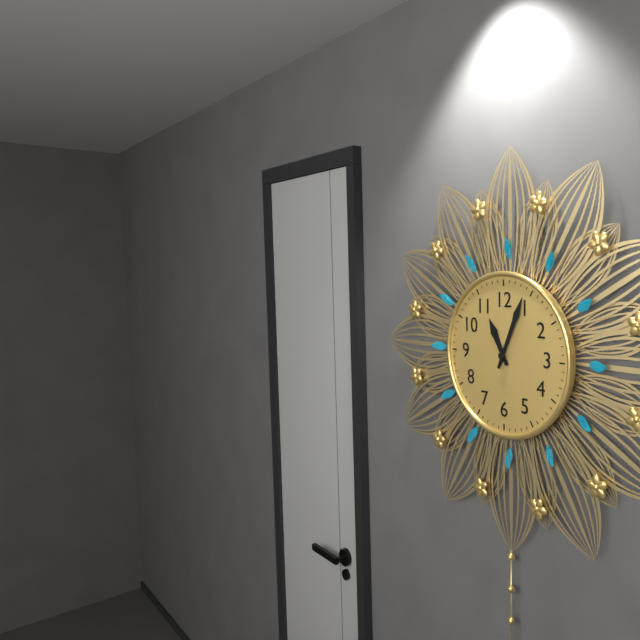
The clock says 11:04
